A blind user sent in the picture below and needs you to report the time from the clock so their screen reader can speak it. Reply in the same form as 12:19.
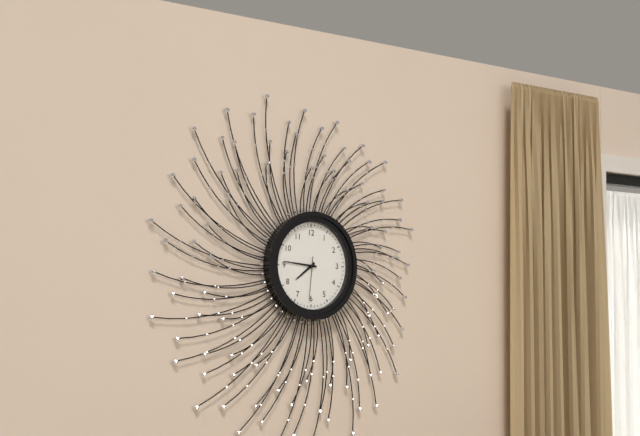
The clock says 7:46
